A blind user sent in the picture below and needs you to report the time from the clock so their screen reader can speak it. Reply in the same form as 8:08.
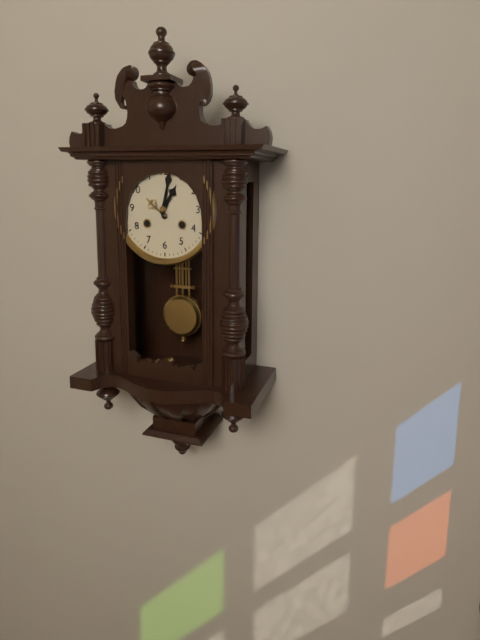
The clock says 1:02
